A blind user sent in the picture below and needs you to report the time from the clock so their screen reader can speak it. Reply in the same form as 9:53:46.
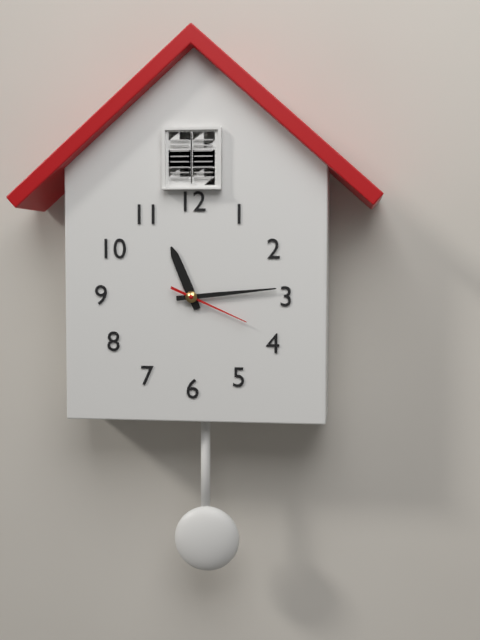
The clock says 11:14:19
